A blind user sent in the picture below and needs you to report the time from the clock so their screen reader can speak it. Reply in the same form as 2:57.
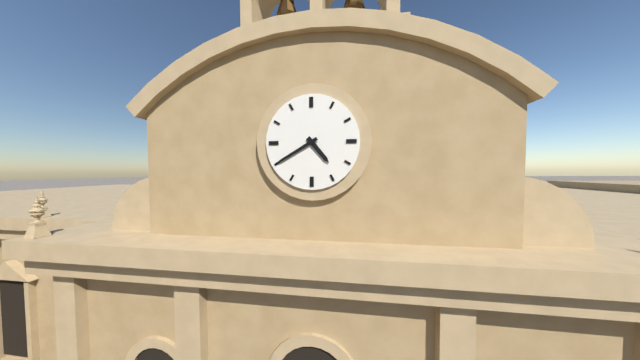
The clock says 4:40
